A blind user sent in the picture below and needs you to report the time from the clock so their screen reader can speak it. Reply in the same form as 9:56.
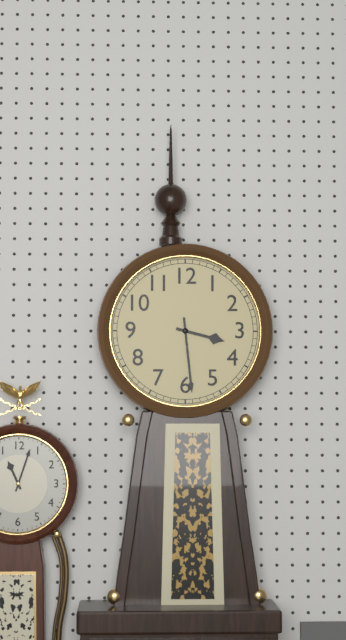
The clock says 3:29
